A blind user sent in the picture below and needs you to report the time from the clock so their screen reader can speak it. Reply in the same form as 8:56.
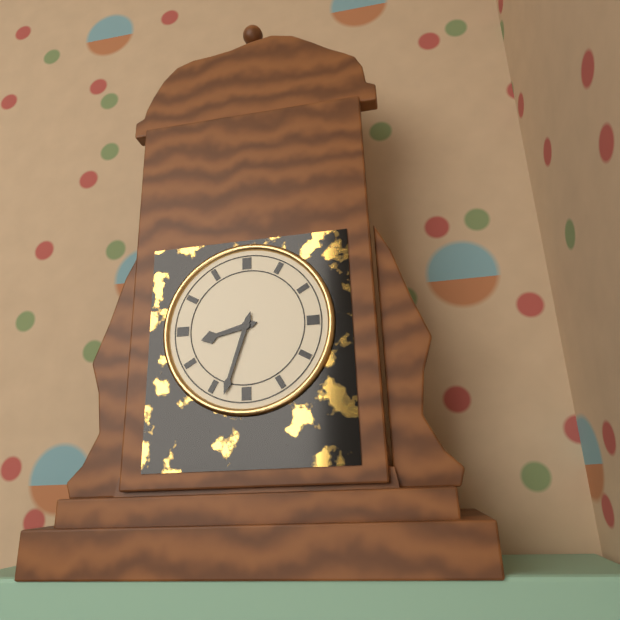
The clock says 8:33
